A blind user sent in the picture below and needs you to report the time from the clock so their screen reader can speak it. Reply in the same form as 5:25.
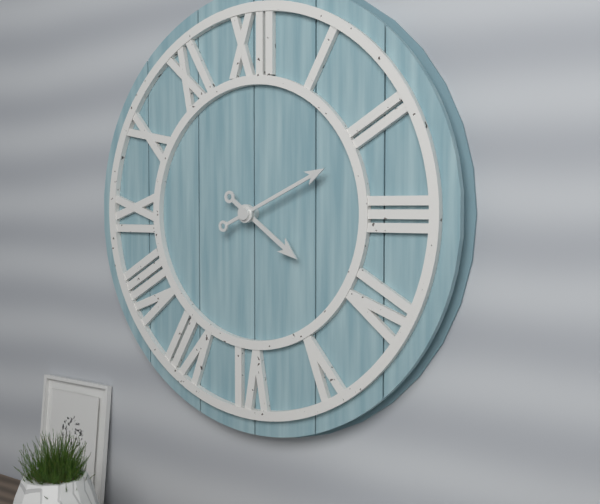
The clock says 4:11
